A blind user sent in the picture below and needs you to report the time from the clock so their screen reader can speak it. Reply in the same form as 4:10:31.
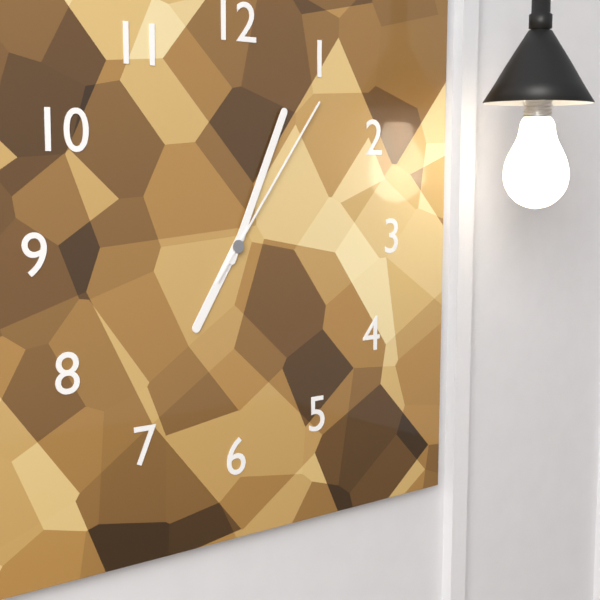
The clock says 7:04:06
